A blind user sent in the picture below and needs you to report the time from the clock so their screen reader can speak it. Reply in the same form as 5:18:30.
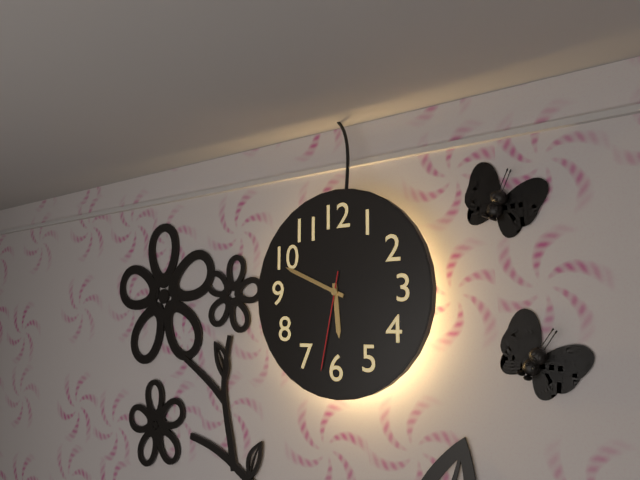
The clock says 5:49:32
